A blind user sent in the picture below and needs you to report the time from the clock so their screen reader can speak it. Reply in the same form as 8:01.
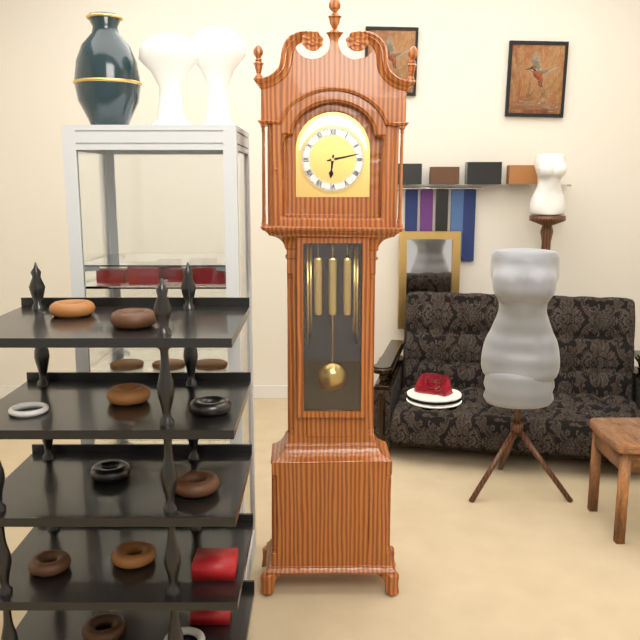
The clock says 6:13
